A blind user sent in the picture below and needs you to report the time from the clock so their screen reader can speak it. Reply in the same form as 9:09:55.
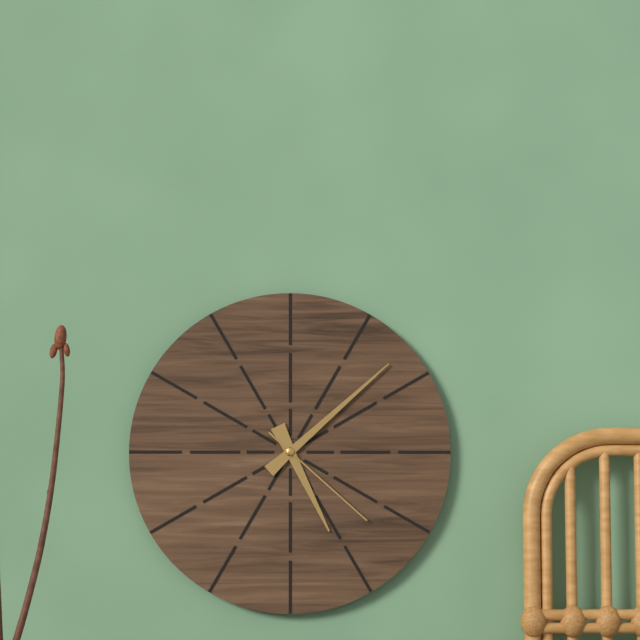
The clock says 5:08:22
